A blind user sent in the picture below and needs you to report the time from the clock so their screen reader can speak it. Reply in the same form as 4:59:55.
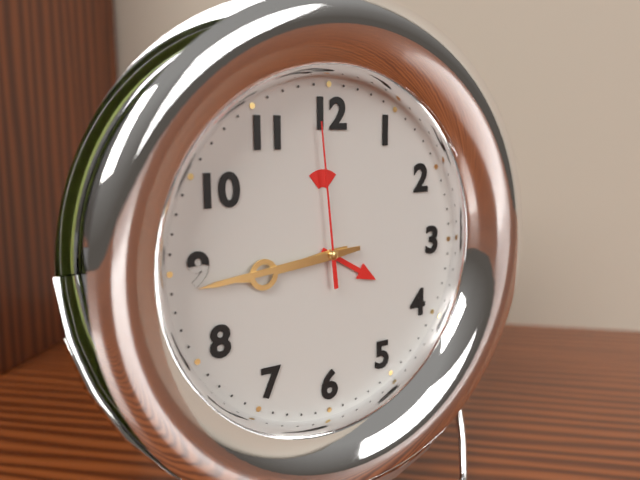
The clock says 8:44:59
